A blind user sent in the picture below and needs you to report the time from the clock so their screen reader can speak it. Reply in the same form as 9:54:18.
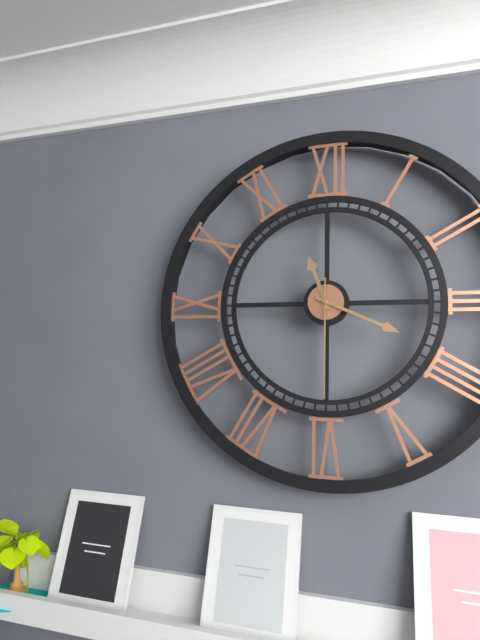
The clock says 11:19:30
